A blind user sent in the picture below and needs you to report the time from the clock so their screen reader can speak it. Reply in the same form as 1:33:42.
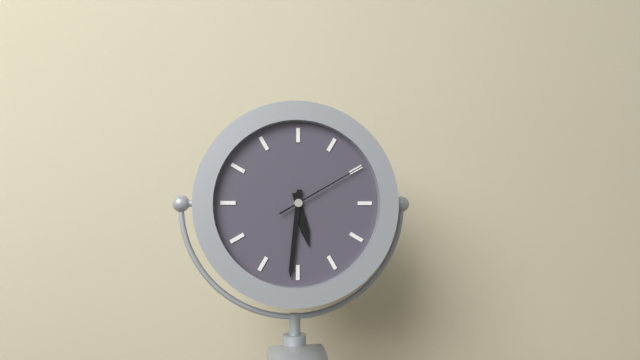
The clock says 5:31:10
